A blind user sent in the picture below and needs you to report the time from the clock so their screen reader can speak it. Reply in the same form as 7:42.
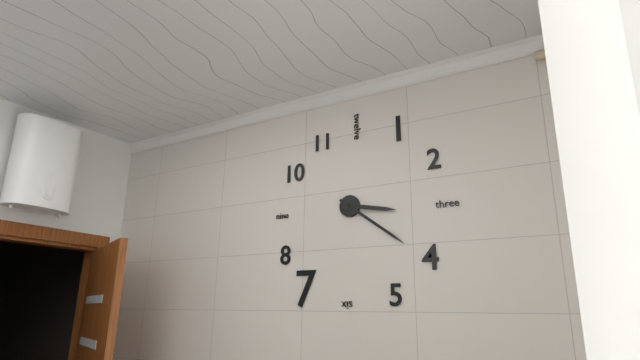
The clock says 3:21
